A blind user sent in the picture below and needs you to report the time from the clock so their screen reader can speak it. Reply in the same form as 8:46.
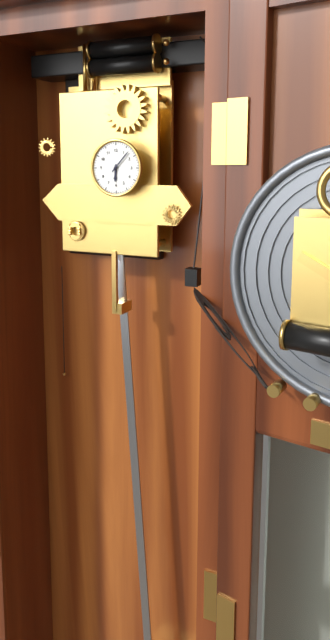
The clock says 6:07
